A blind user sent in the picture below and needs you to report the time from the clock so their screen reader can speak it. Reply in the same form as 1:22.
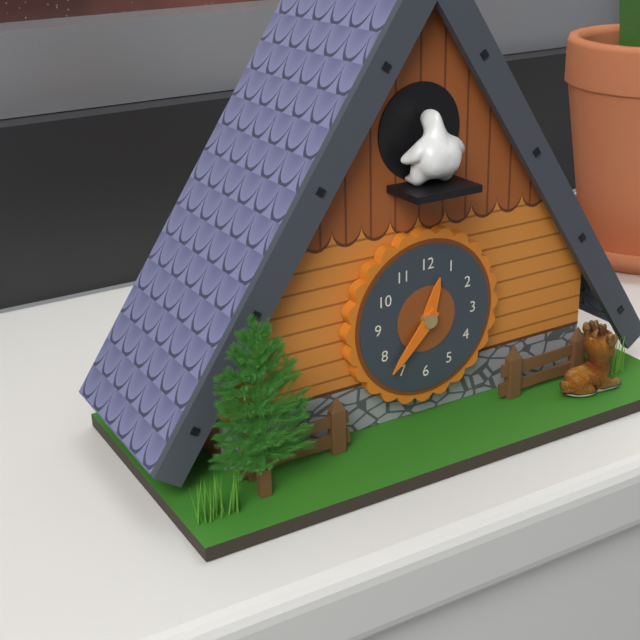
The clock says 12:37
